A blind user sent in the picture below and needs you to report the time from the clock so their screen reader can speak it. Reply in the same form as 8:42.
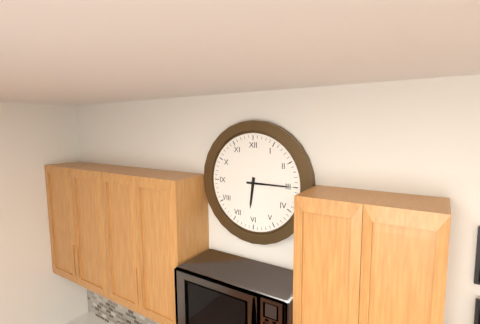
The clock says 6:15
